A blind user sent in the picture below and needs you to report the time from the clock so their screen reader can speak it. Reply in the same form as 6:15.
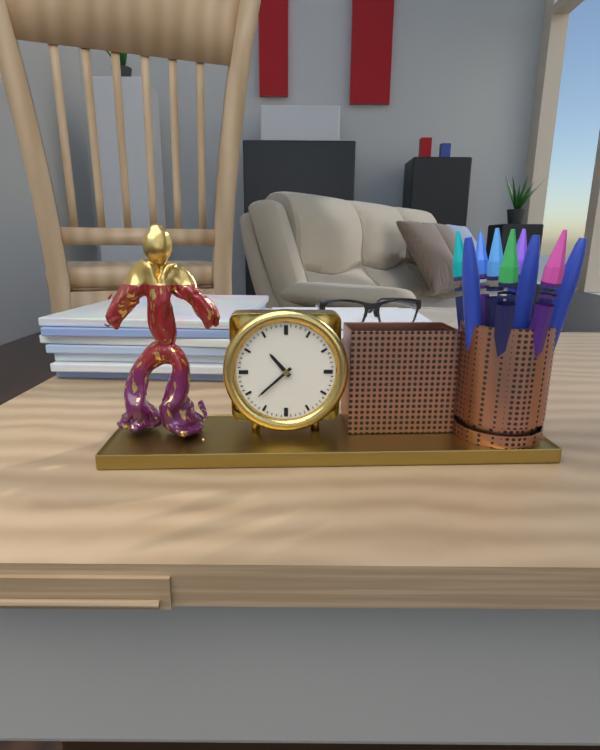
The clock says 10:38
